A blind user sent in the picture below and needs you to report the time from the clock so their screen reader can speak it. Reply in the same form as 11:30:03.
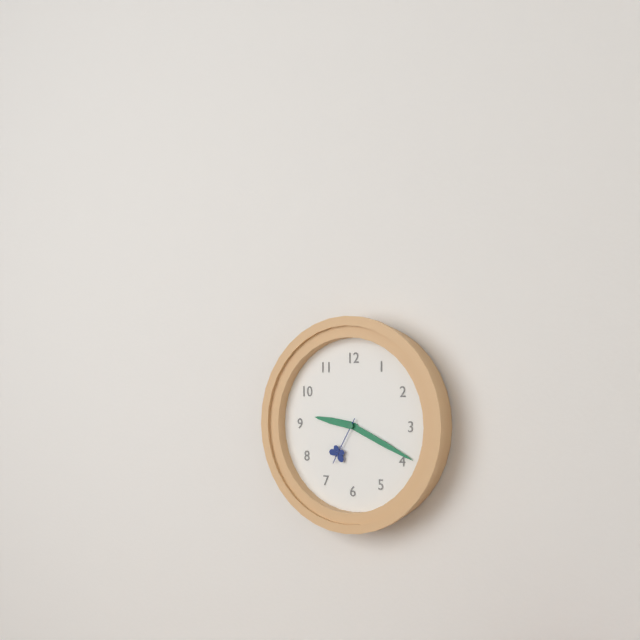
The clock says 9:19:35
